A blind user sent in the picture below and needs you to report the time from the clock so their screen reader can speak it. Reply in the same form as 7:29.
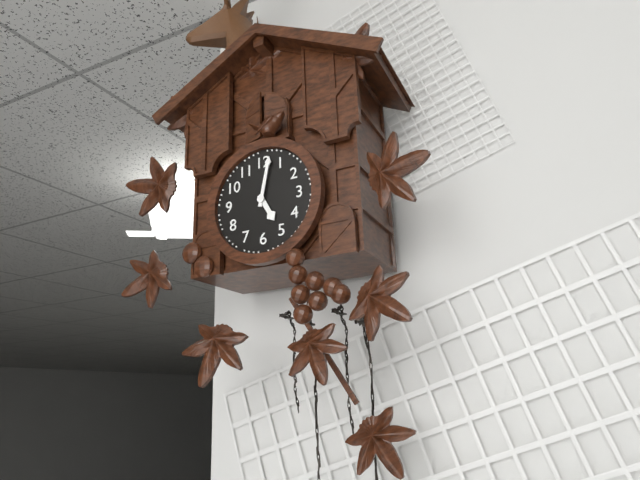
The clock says 5:02
